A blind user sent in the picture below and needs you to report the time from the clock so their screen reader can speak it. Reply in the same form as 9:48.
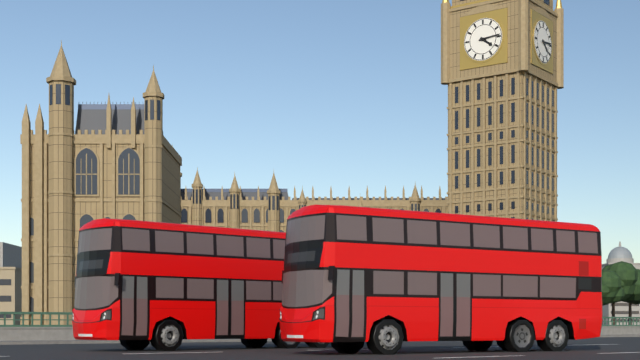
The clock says 4:14
